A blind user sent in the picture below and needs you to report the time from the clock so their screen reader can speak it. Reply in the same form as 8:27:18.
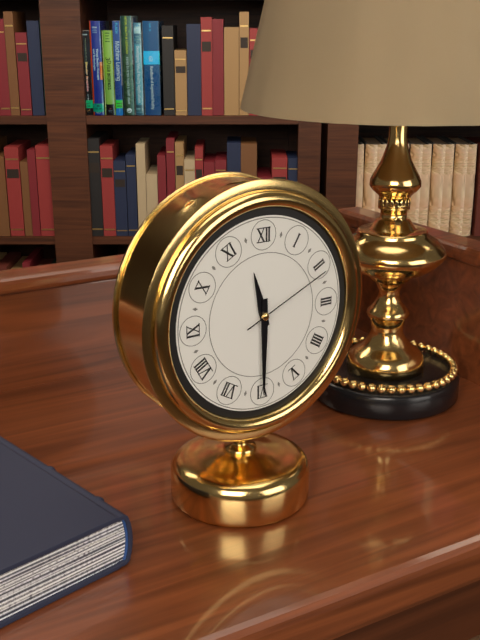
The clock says 11:30:11
